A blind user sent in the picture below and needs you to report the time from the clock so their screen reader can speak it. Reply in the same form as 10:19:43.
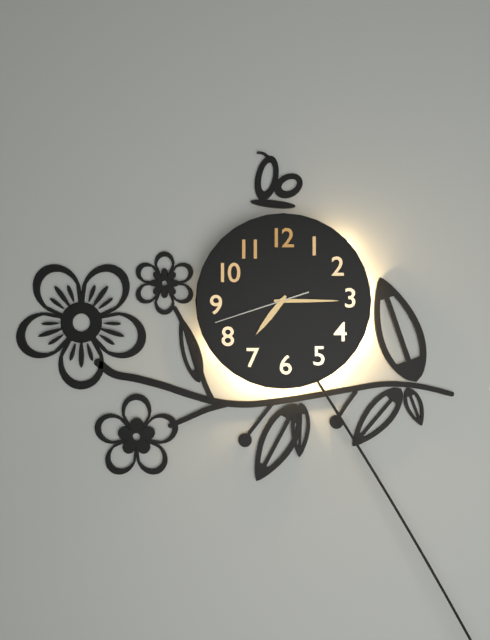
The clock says 7:15:42
